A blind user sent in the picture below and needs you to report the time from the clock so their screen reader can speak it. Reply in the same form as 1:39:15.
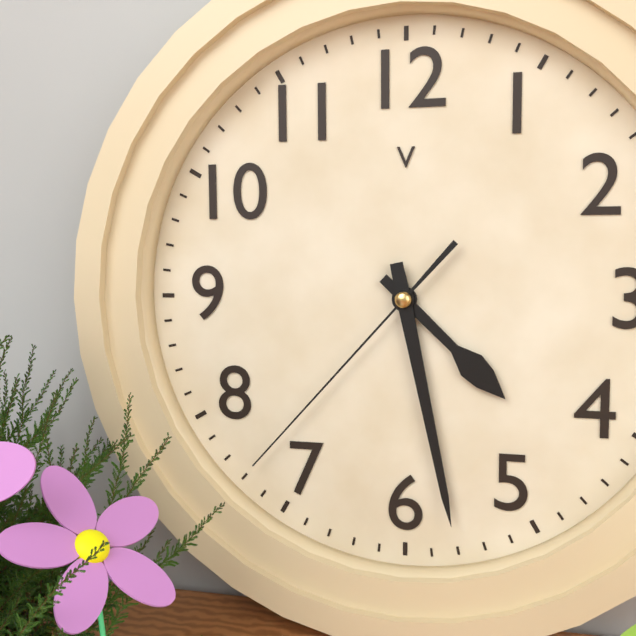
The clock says 4:28:37
